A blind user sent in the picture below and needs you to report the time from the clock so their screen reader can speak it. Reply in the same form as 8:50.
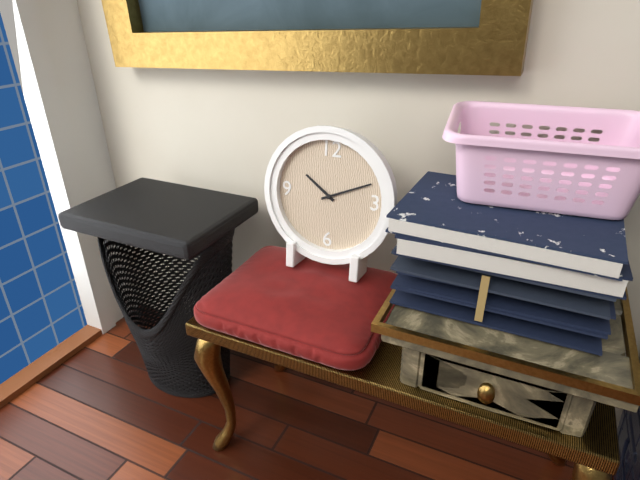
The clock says 10:11
